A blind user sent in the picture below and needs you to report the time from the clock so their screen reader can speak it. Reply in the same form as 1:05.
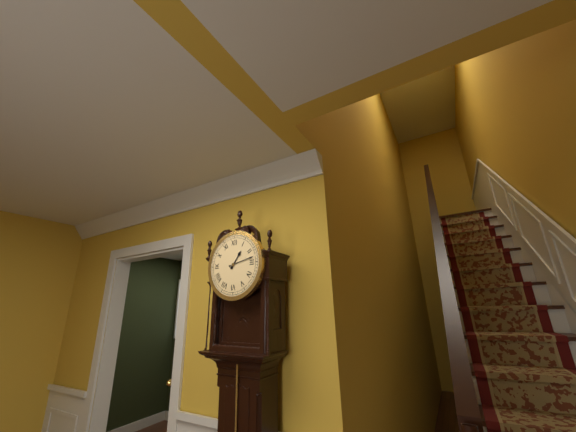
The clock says 1:13
